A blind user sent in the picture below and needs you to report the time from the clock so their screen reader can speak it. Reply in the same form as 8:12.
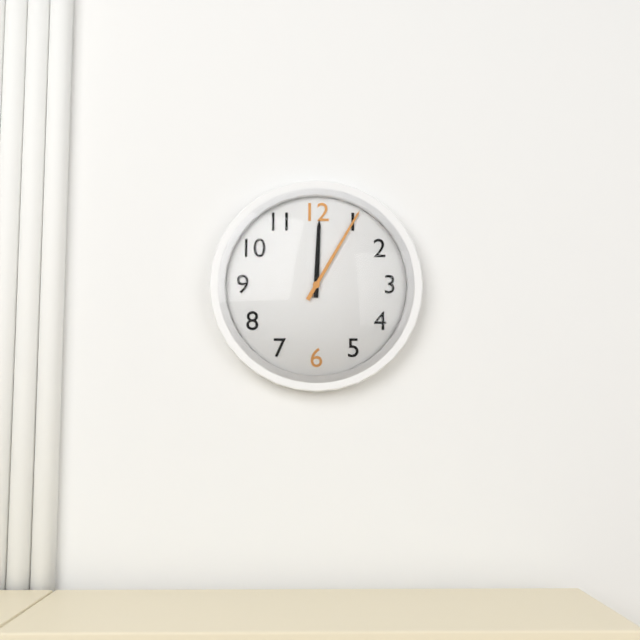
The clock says 12:05
